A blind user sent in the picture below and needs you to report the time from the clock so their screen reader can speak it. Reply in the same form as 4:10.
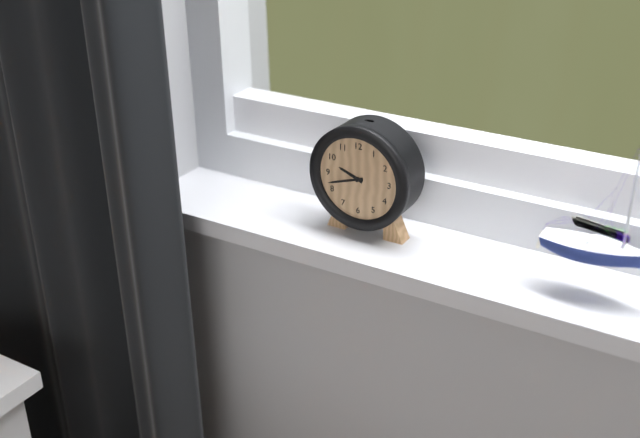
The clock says 9:42
